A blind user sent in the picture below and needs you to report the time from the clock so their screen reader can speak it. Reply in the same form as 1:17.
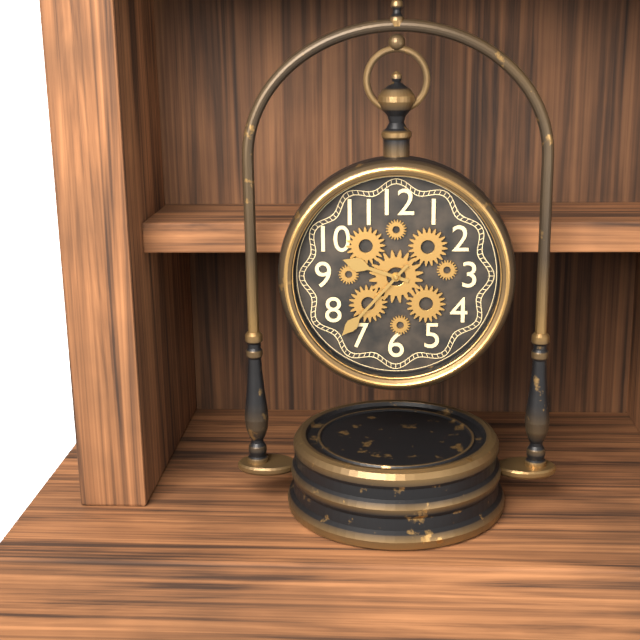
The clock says 9:37
